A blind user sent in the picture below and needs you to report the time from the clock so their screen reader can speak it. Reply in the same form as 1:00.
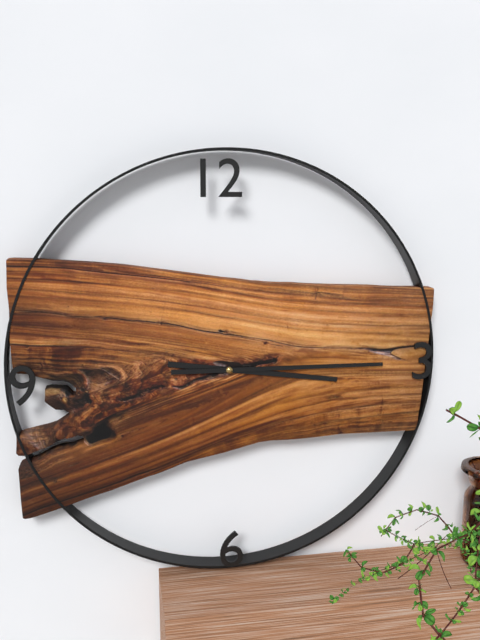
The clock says 3:15
